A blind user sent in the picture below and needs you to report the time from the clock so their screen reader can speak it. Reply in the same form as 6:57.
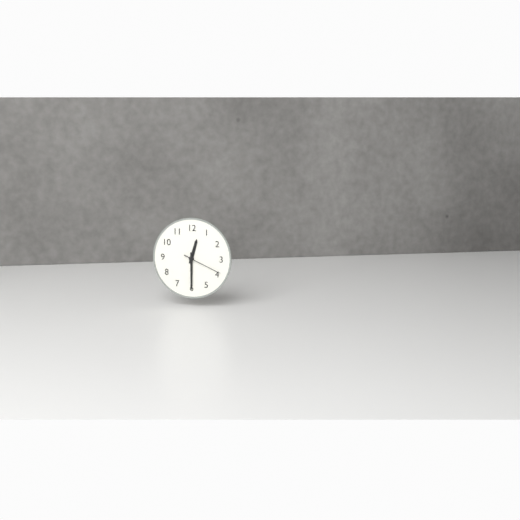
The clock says 12:30
